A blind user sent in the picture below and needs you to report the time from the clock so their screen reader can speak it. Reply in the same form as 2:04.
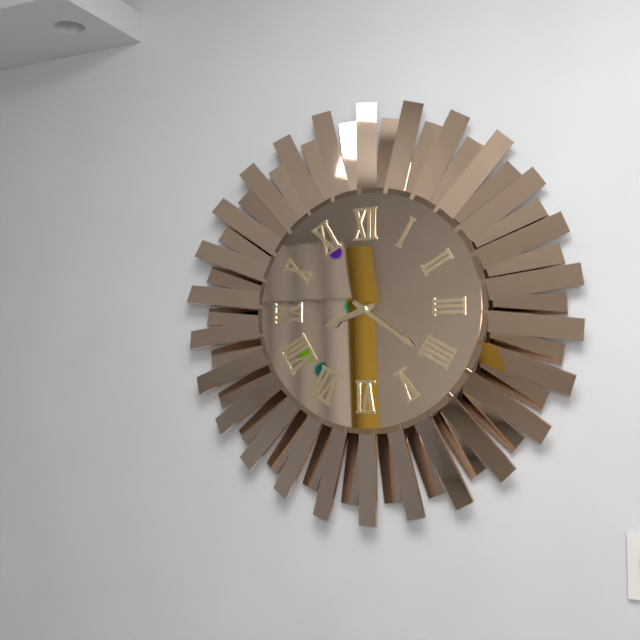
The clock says 8:21
